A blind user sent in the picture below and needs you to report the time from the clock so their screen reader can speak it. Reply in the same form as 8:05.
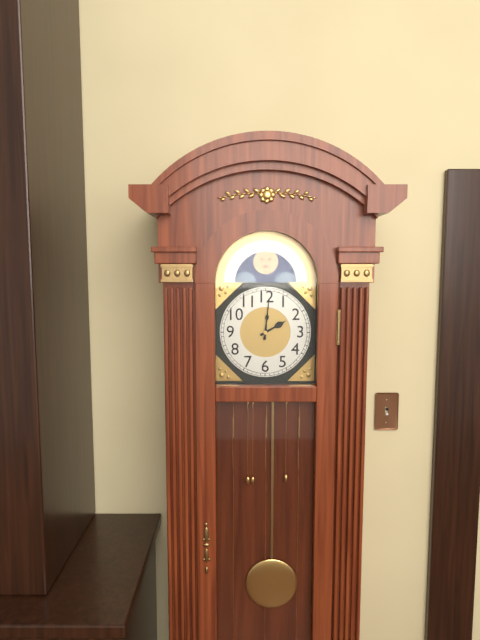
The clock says 2:01
